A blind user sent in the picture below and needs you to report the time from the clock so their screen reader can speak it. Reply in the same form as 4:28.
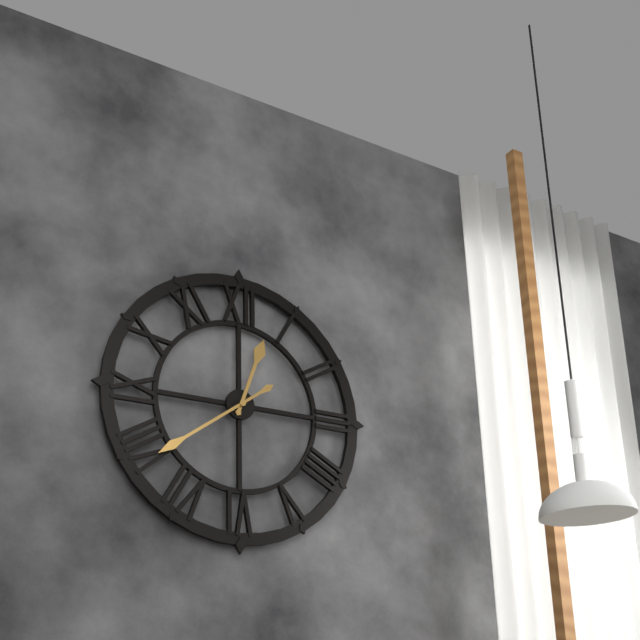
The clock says 12:39
